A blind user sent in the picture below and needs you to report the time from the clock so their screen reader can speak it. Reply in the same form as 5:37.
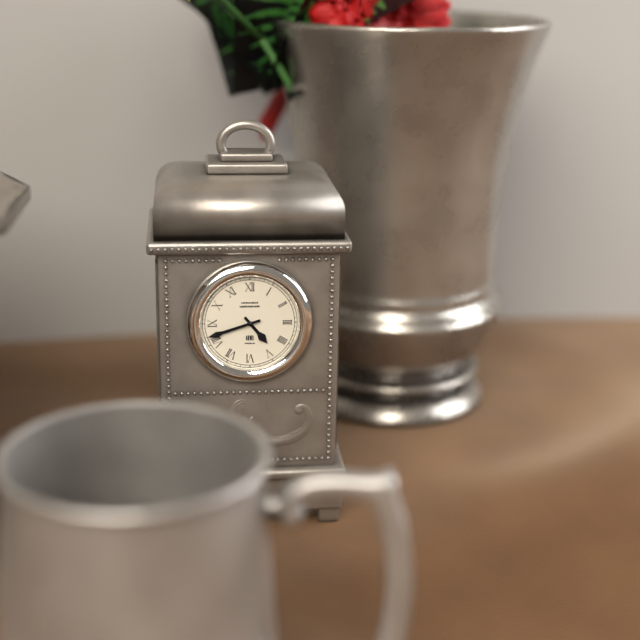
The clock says 4:42
